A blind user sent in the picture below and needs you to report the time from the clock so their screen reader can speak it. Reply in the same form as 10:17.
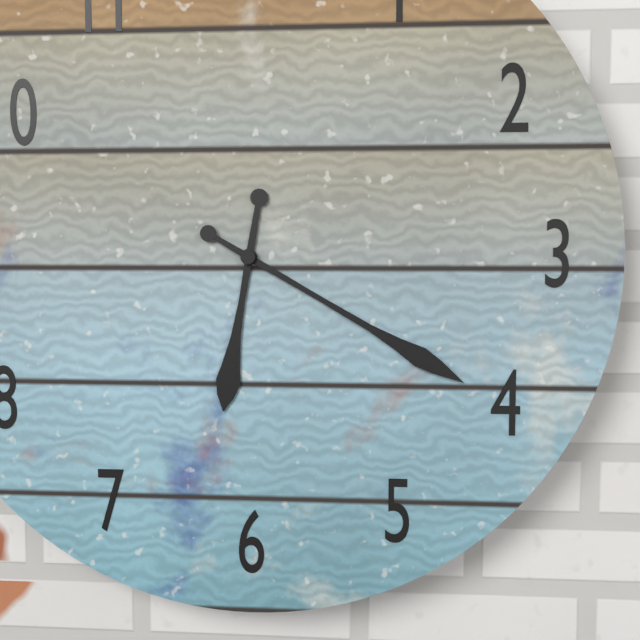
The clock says 6:20
